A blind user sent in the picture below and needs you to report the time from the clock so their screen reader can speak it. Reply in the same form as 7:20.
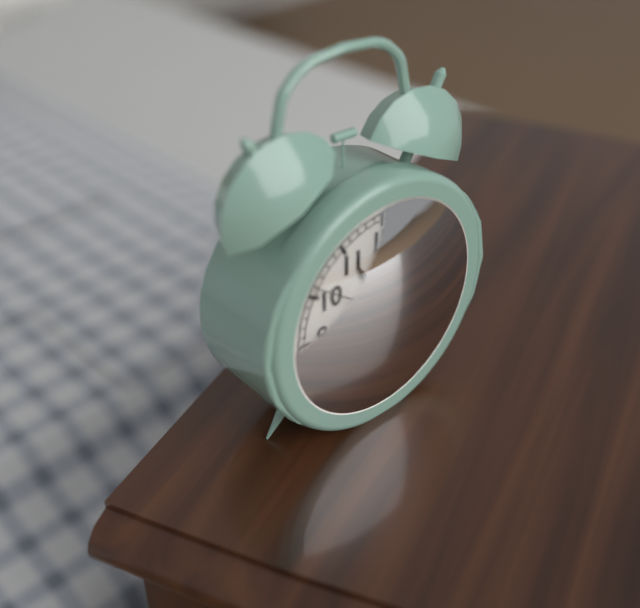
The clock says 11:05
